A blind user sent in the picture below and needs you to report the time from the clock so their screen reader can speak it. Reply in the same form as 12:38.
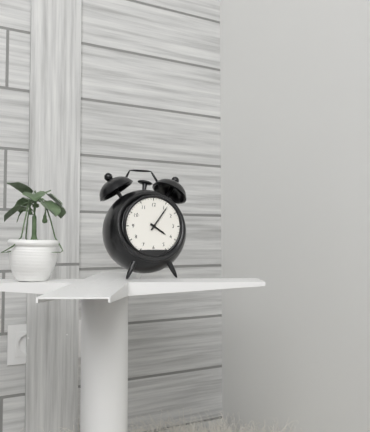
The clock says 4:06
